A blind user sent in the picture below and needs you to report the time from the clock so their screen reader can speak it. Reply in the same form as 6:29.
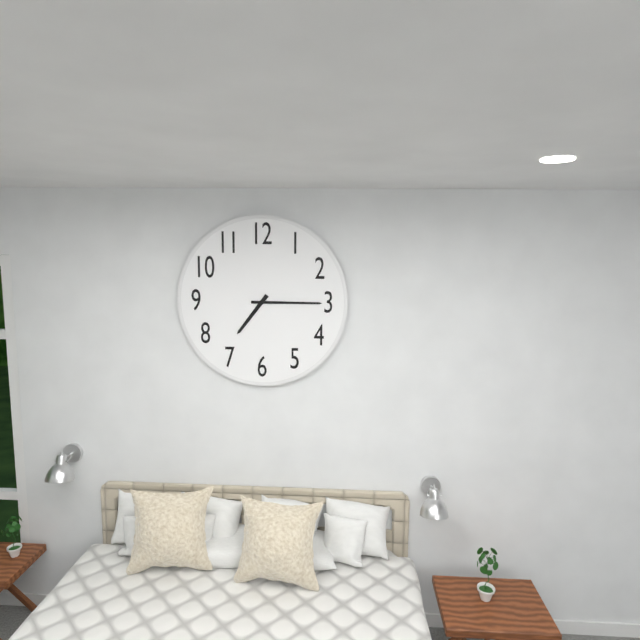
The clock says 7:15
